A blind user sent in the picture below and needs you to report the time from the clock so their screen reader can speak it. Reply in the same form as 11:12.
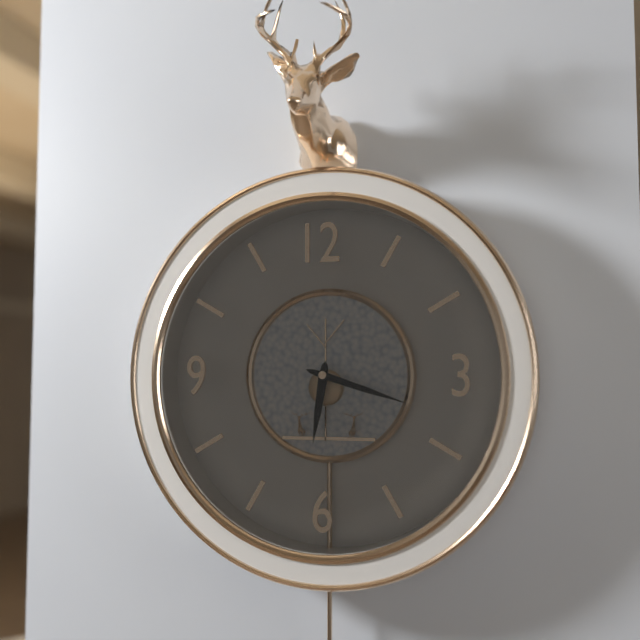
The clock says 6:18
